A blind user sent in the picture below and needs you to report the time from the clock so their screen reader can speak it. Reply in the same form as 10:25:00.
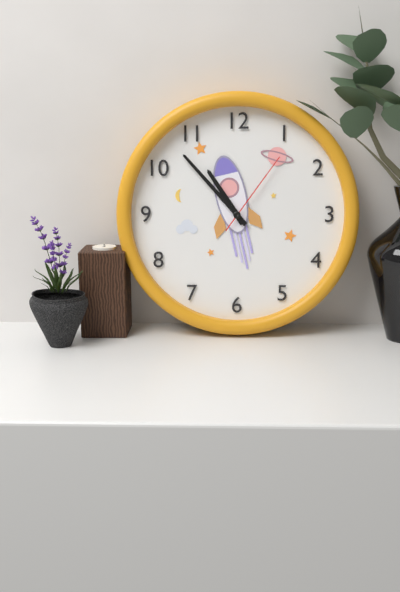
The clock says 10:53:06
